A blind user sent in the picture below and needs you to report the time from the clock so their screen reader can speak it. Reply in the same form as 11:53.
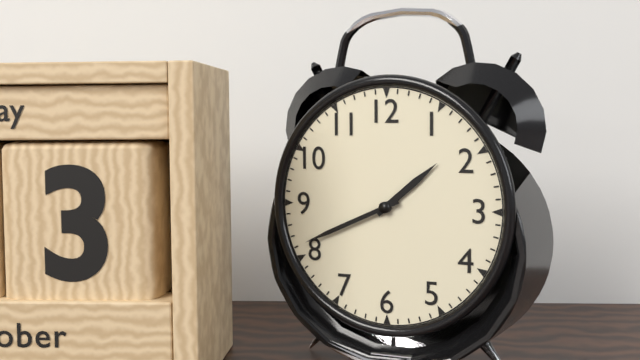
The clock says 1:41
